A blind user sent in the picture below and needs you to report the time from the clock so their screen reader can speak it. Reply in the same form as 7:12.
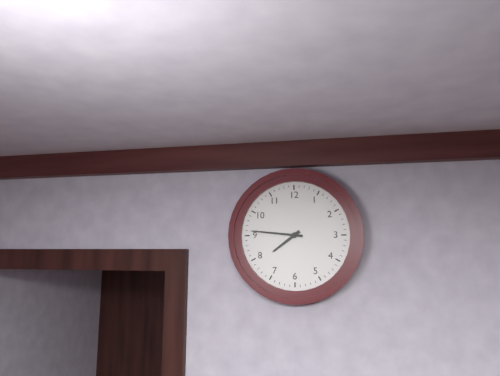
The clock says 7:46
